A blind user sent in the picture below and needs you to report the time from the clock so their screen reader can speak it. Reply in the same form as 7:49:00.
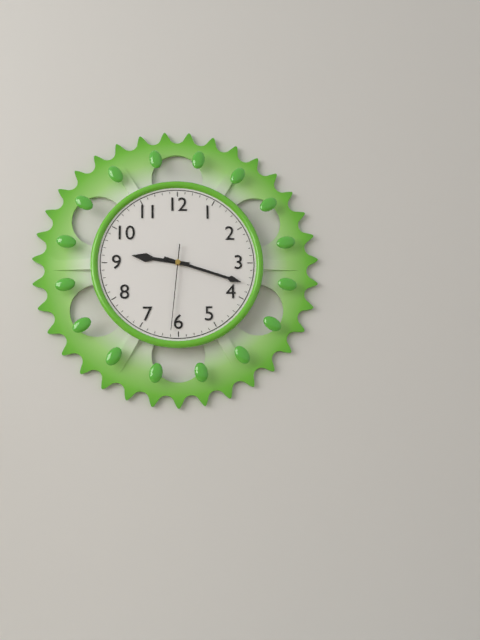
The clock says 9:18:31
